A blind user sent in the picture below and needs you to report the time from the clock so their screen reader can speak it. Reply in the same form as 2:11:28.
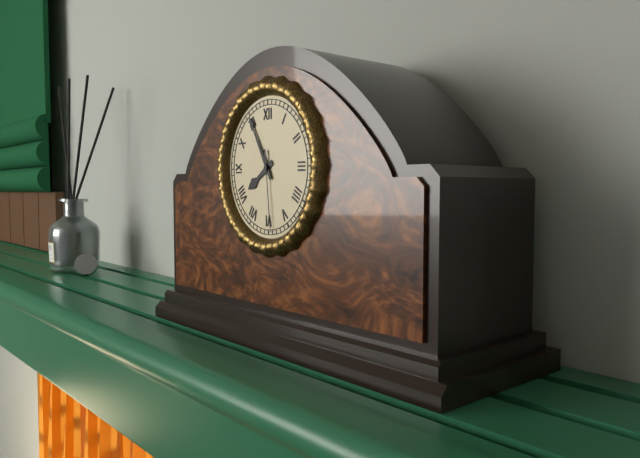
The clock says 7:55:29
